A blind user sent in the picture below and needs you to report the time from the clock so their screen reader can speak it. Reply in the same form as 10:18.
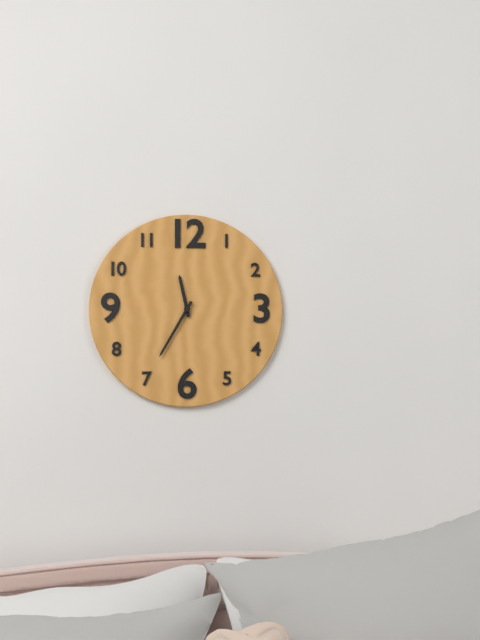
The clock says 11:35
